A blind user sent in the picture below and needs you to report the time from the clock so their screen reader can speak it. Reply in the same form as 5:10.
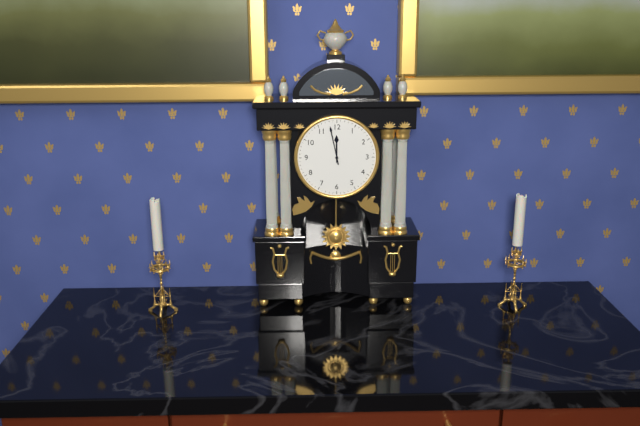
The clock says 11:58
